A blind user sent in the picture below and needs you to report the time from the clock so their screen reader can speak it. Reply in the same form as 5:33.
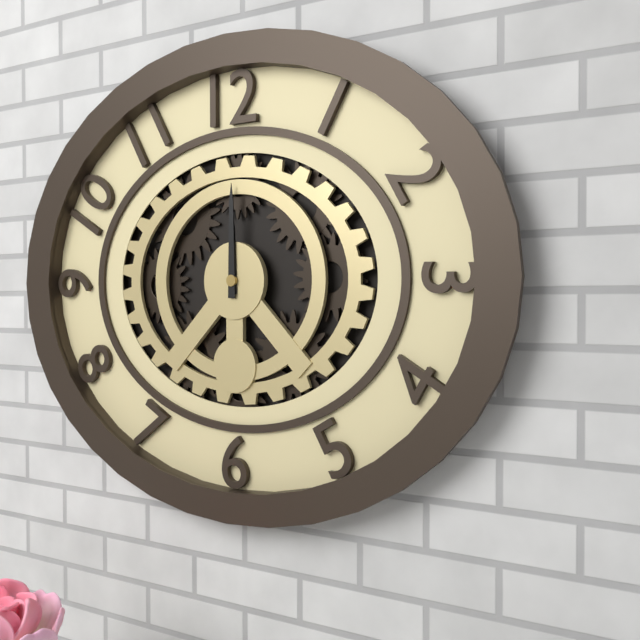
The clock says 12:00
